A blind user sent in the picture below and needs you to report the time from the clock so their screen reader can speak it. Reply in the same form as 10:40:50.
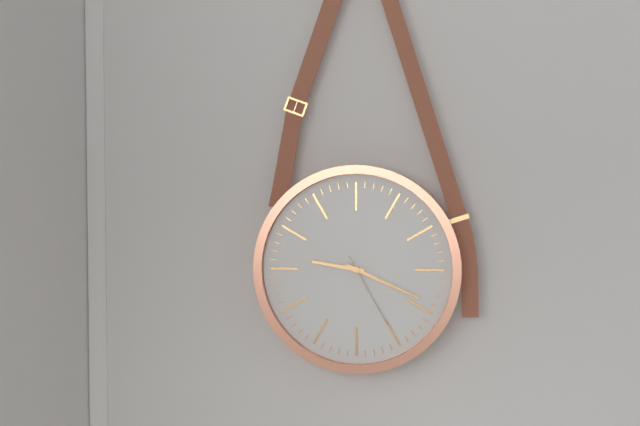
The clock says 9:19:25
